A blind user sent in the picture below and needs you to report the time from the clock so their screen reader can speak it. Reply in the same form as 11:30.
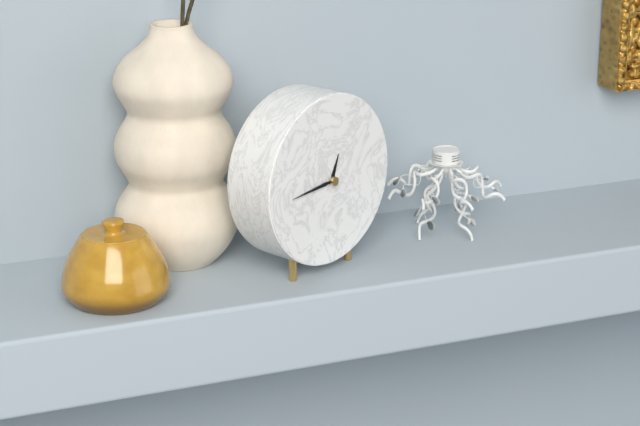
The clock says 12:44
